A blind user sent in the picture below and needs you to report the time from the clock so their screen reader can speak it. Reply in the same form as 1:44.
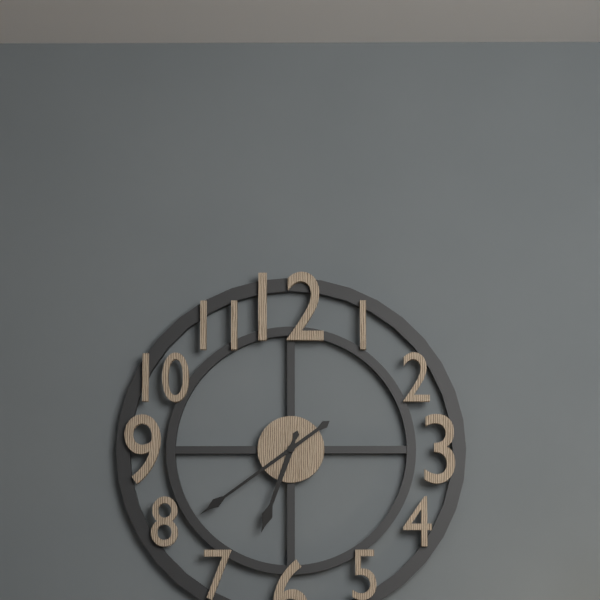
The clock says 6:39
